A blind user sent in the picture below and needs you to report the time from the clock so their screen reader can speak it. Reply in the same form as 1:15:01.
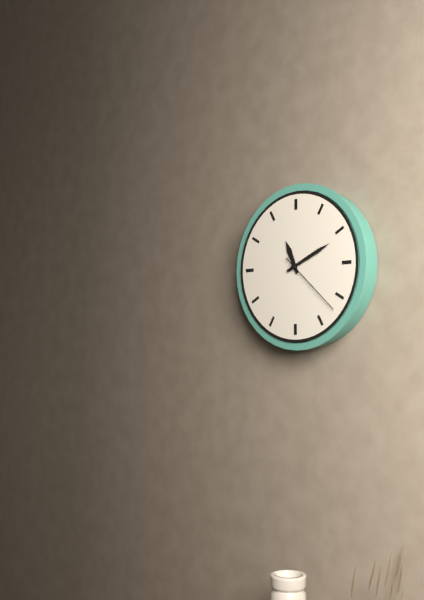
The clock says 11:11:22
